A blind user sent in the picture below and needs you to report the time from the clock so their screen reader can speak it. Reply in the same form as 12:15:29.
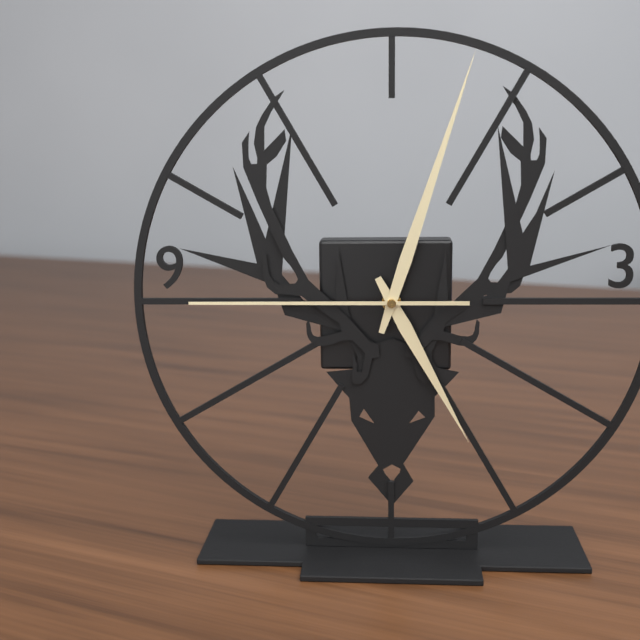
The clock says 5:03:45
